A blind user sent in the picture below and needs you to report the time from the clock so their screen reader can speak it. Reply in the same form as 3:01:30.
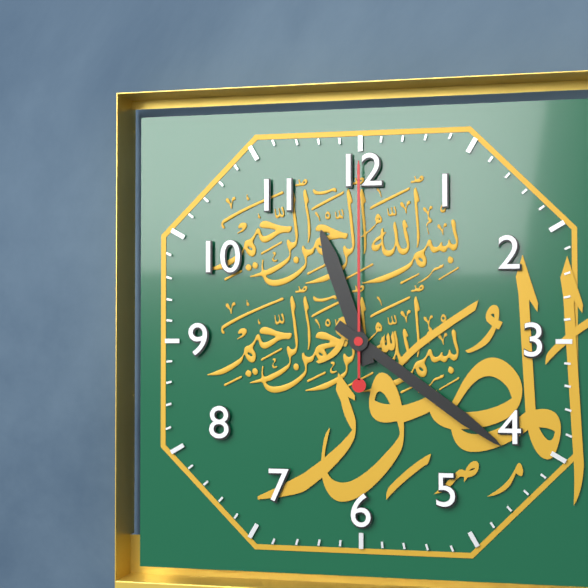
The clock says 11:21:00
